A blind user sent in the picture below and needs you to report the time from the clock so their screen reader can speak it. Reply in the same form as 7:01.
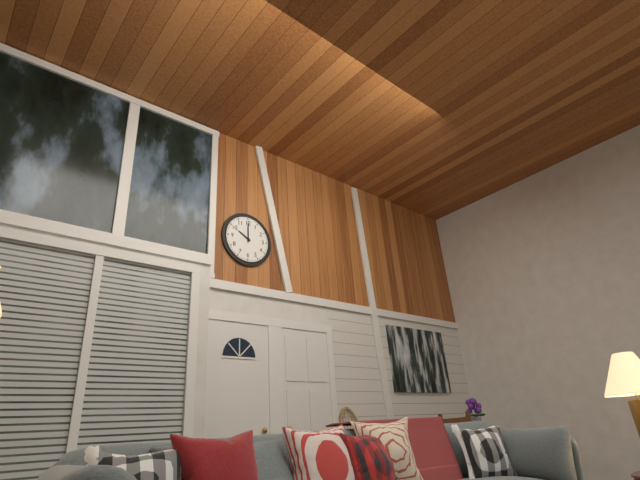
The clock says 10:00
